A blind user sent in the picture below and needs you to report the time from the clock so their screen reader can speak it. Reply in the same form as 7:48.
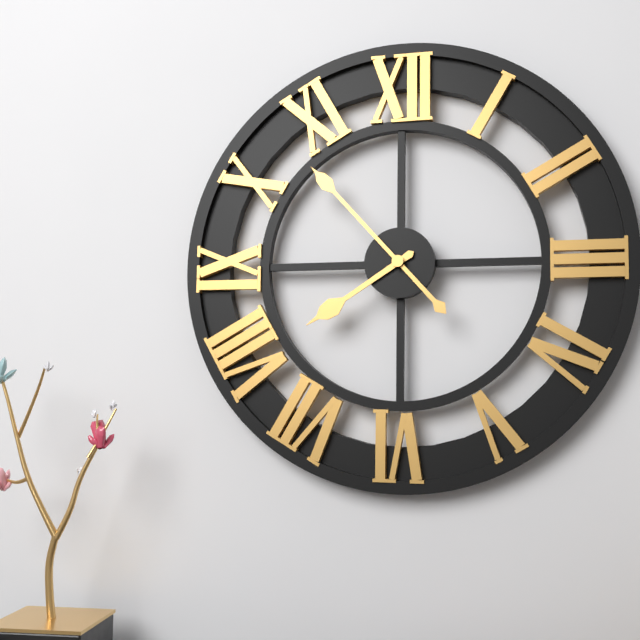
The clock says 7:53
